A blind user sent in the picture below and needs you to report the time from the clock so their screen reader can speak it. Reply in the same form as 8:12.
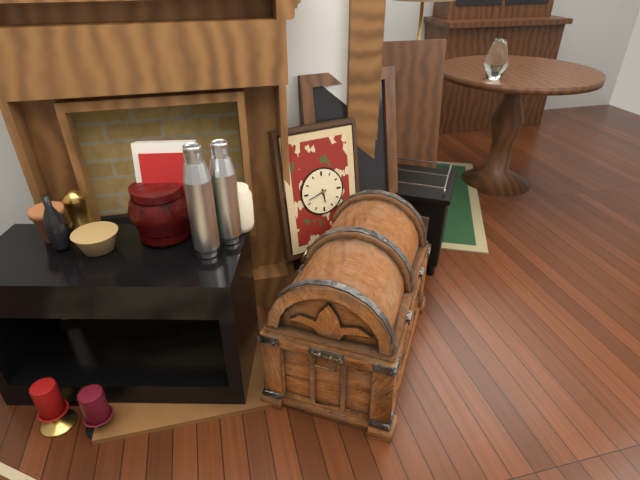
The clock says 5:42
